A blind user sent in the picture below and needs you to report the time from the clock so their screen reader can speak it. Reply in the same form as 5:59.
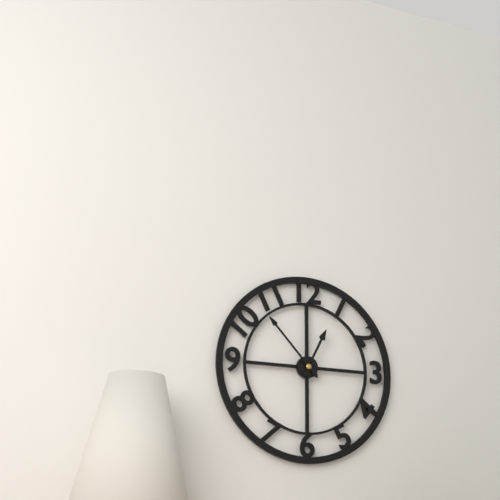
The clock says 12:53
